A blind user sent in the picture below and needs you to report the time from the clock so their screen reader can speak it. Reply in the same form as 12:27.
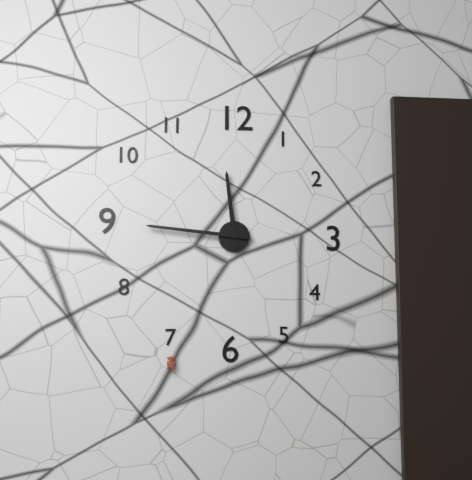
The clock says 11:46
